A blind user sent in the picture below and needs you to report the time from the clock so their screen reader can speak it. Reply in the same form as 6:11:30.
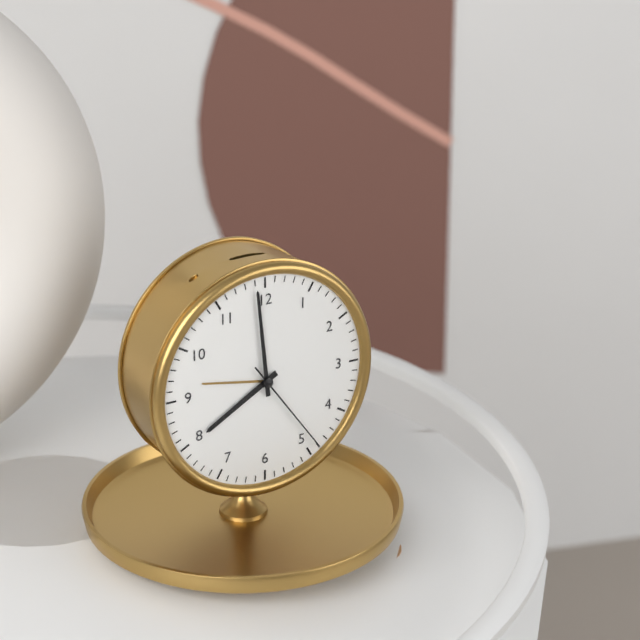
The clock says 7:59:24
